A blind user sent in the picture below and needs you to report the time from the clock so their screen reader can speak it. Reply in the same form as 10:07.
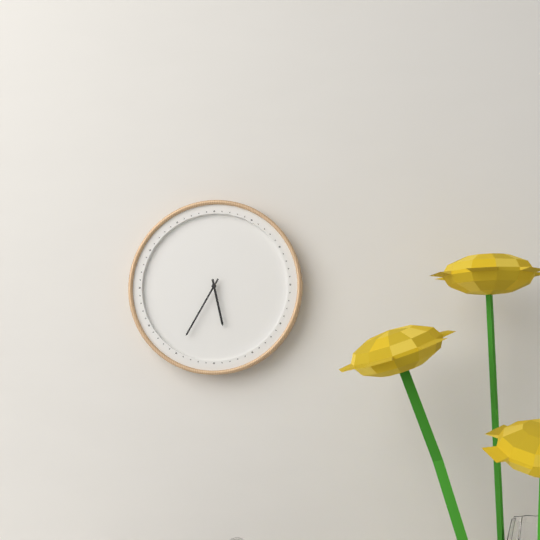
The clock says 5:35
